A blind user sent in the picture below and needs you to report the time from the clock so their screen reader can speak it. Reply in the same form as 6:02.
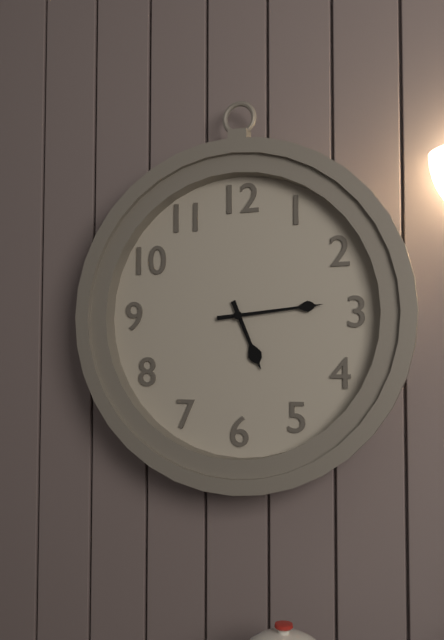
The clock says 5:14
